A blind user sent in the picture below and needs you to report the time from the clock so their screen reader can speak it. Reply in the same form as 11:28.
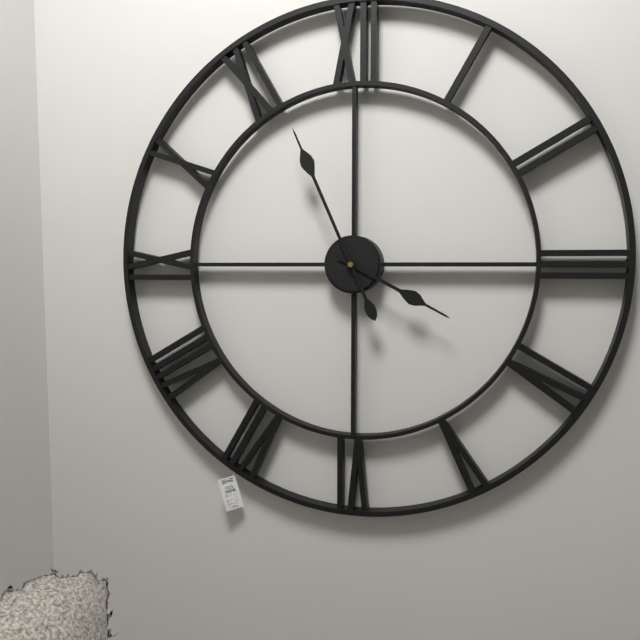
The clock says 3:56
